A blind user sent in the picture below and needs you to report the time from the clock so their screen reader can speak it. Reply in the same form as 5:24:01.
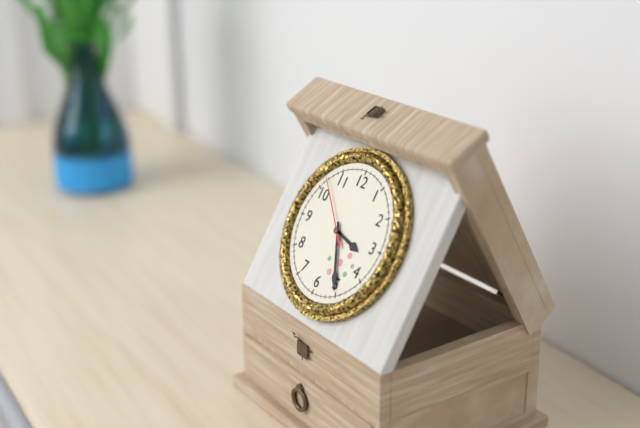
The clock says 3:25:52
